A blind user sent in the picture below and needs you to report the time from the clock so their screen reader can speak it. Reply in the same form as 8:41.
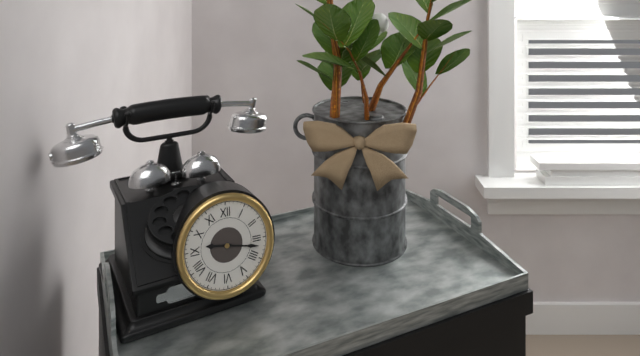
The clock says 9:17
